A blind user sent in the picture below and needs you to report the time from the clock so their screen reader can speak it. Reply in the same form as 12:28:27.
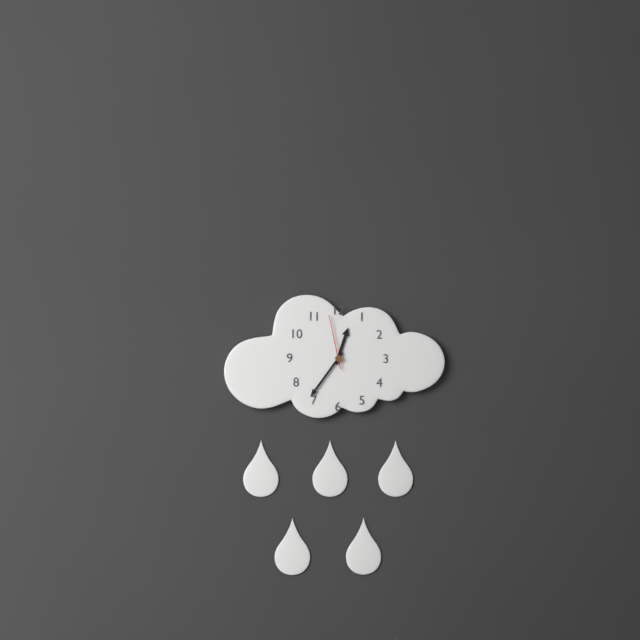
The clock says 12:36:58
